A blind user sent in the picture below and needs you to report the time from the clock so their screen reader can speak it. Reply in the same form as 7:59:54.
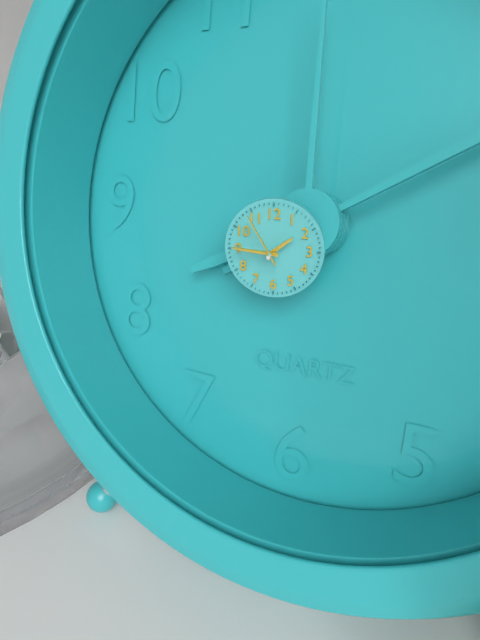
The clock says 1:46:55
